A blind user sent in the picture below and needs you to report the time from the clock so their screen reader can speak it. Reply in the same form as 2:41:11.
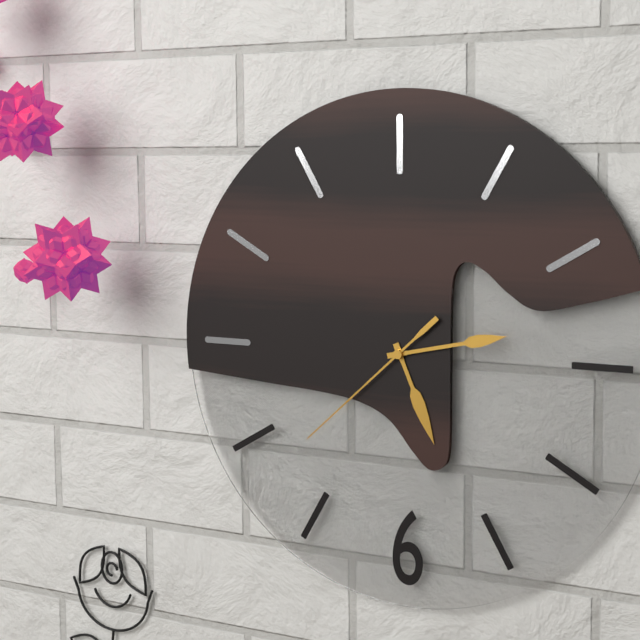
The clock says 5:13:38
